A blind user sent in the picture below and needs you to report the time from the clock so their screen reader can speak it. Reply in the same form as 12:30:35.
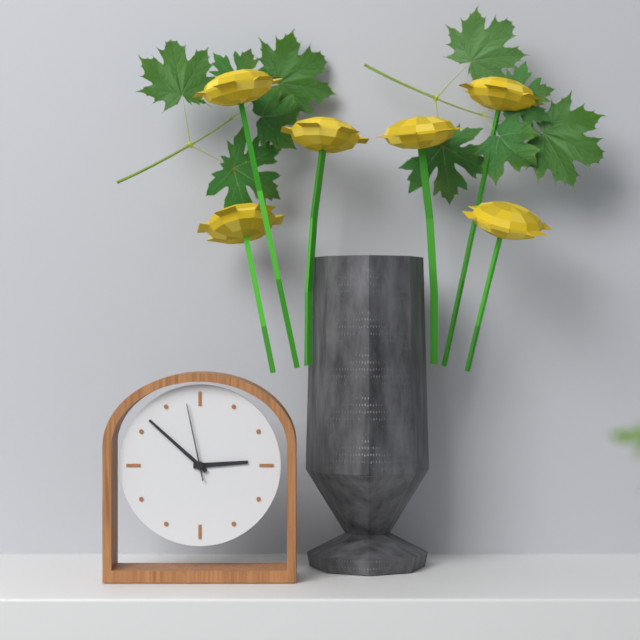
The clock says 2:52:58
